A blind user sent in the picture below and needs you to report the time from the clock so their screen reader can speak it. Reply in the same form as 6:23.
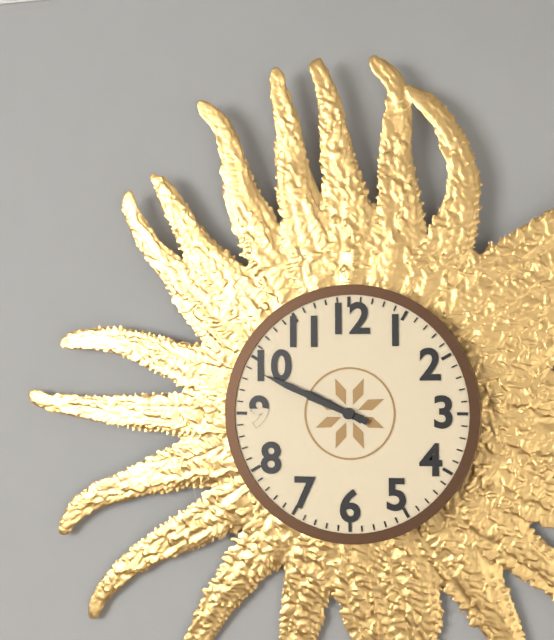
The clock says 9:49
